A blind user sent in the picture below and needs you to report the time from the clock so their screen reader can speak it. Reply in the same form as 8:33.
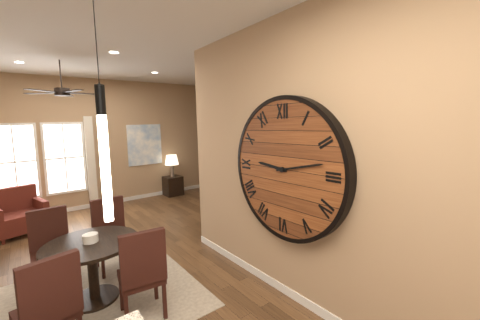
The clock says 9:13
